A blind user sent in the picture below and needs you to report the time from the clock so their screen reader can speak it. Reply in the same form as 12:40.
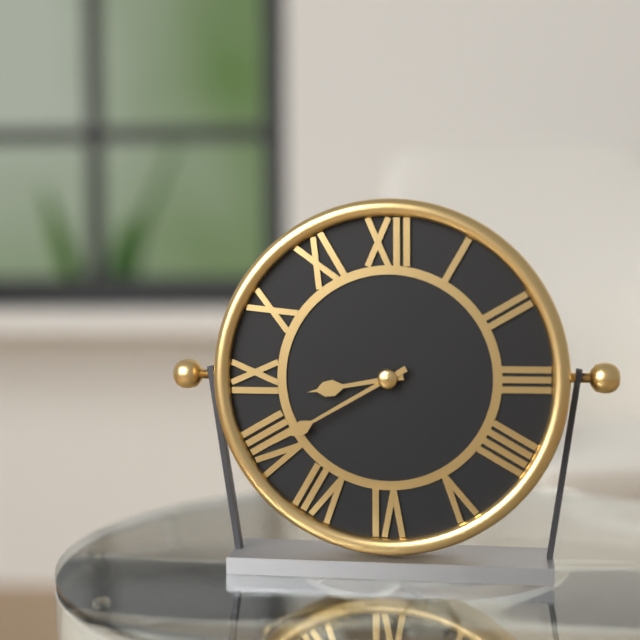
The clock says 8:40
